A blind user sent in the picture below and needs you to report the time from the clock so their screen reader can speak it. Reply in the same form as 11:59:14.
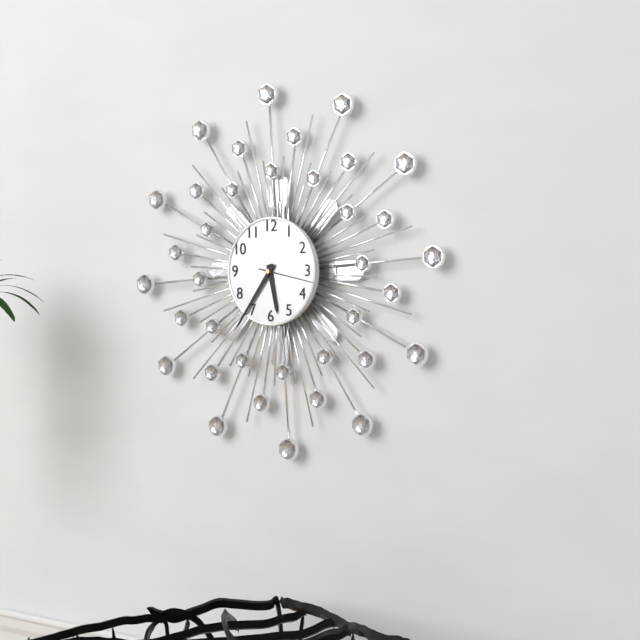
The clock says 5:36:17
